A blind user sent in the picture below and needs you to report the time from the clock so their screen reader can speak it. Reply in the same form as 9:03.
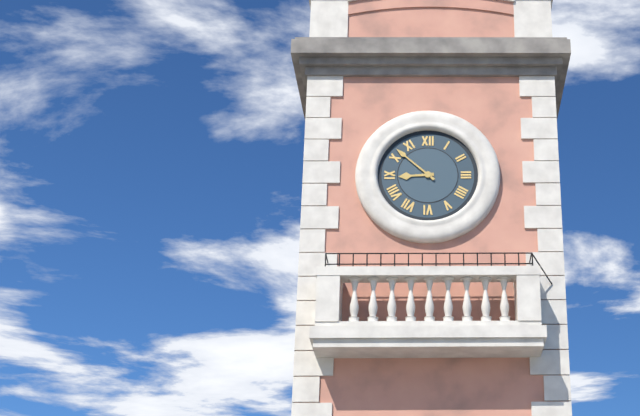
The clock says 8:52
